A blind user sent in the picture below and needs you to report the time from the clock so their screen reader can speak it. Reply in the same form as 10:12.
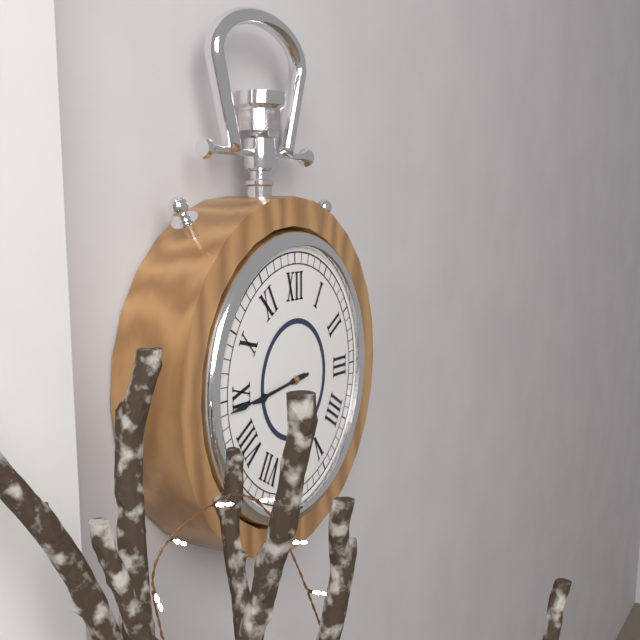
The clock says 8:44
